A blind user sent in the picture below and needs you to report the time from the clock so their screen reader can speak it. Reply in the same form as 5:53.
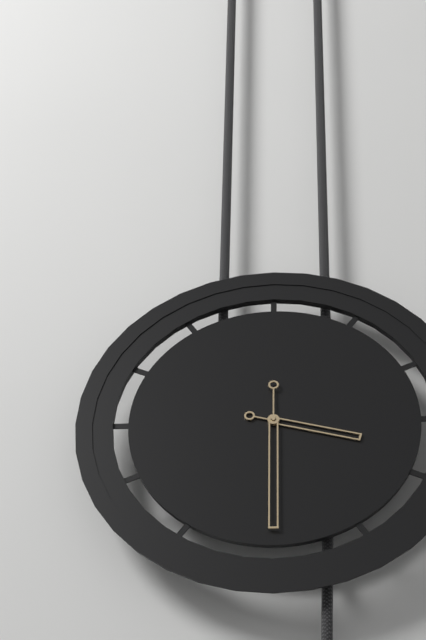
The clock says 3:30
